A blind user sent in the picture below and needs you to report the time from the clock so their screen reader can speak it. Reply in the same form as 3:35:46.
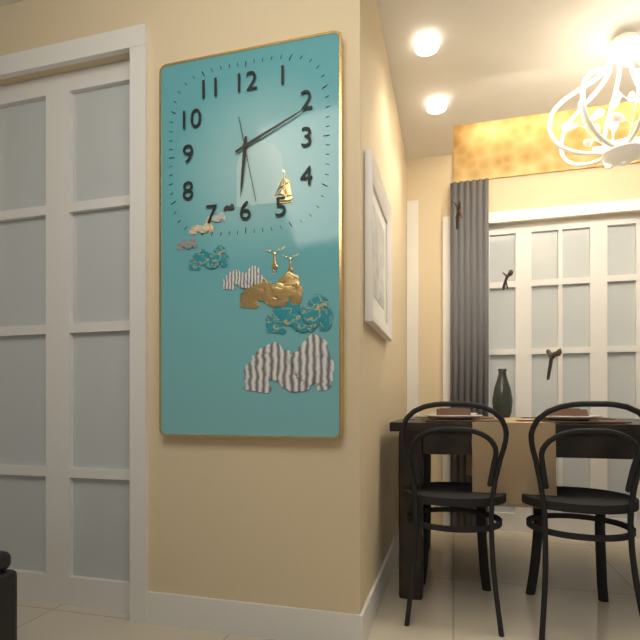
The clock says 6:11:28
